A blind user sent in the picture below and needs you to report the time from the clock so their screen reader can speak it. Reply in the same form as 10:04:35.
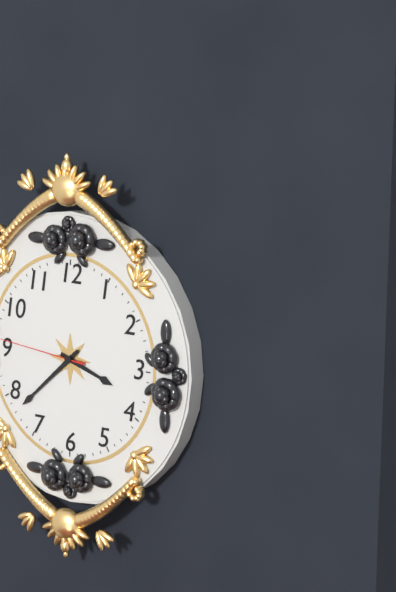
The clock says 3:38:46
